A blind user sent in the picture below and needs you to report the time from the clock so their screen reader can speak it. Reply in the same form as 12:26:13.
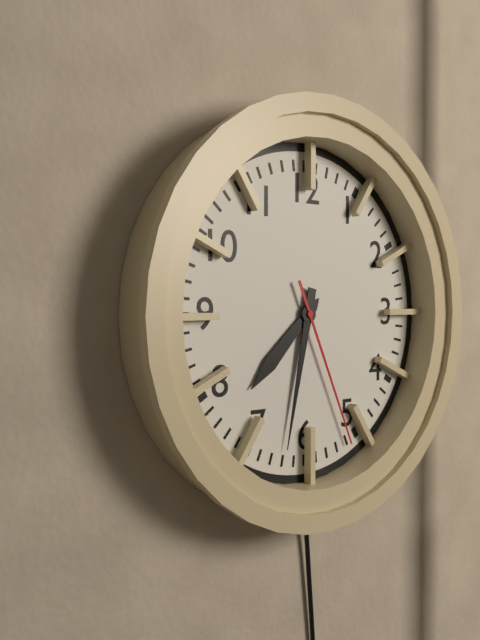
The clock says 7:32:26
